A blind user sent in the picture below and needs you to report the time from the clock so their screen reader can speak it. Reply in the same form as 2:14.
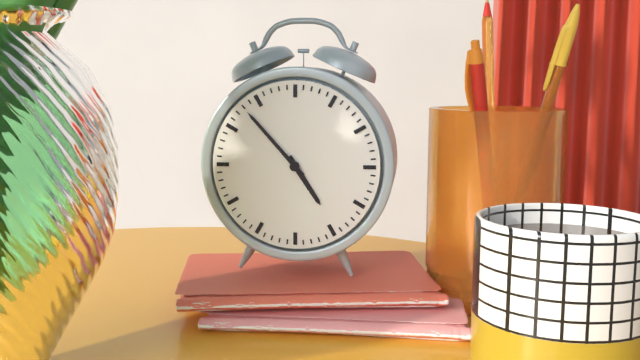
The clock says 4:53
